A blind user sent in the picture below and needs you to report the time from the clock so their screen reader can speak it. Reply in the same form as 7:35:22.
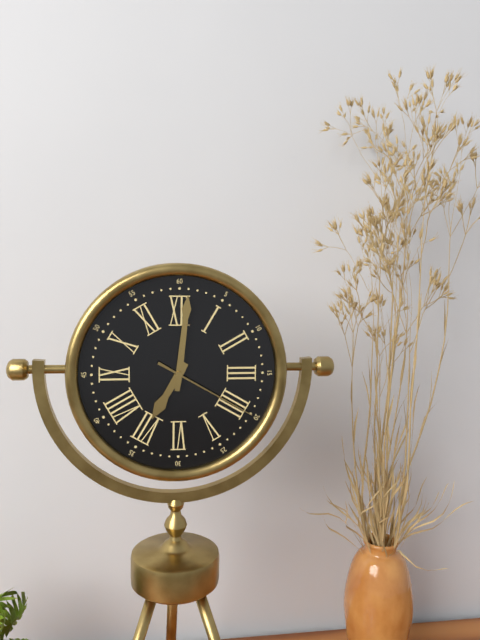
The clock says 7:01:20
